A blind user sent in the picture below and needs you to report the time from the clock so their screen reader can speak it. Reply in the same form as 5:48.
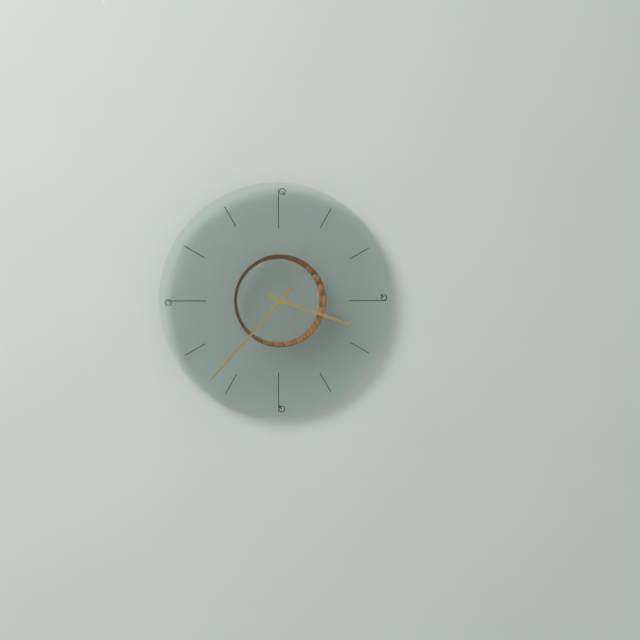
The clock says 3:37
